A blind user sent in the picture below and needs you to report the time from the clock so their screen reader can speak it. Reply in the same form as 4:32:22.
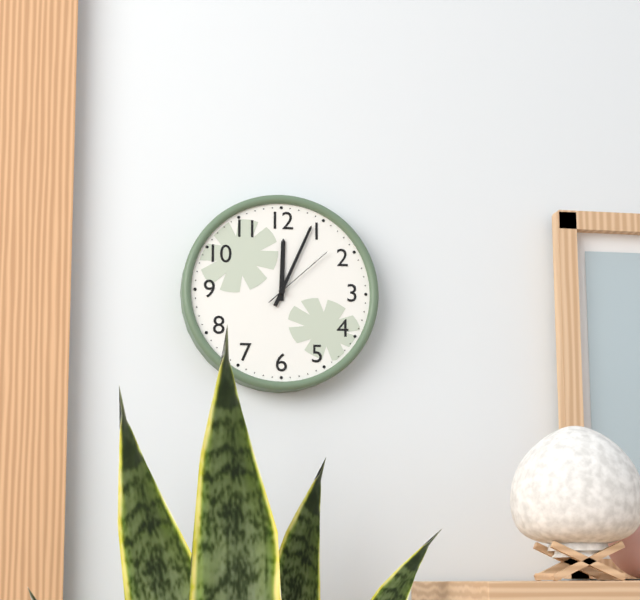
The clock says 12:04:08
